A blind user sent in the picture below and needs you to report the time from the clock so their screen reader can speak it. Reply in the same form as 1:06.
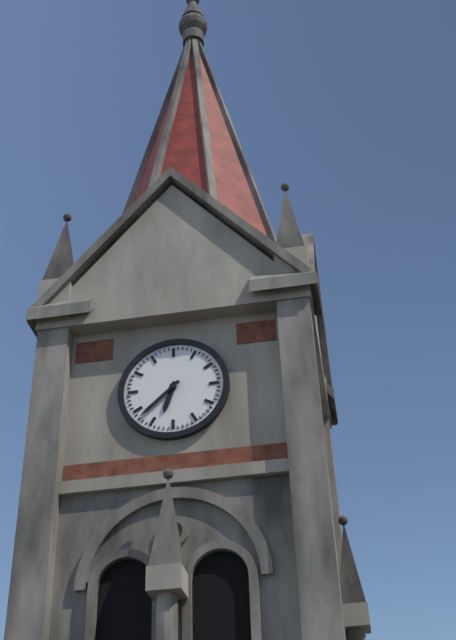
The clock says 6:38
